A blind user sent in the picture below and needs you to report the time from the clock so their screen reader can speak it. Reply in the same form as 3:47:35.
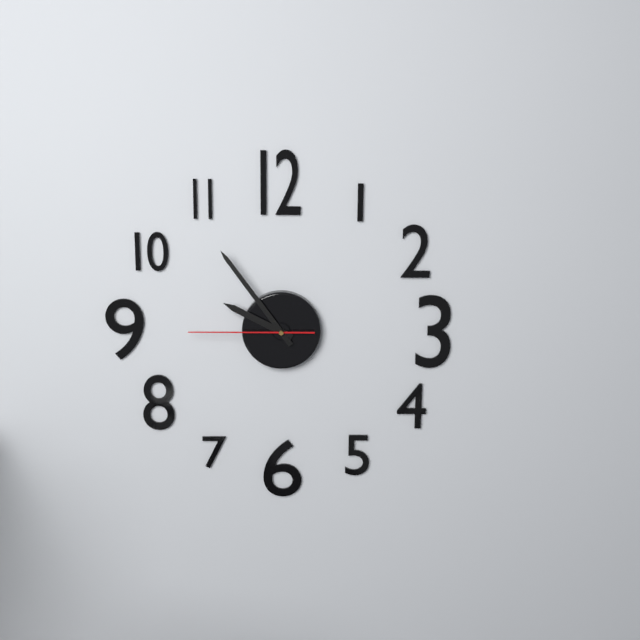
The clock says 9:54:45
